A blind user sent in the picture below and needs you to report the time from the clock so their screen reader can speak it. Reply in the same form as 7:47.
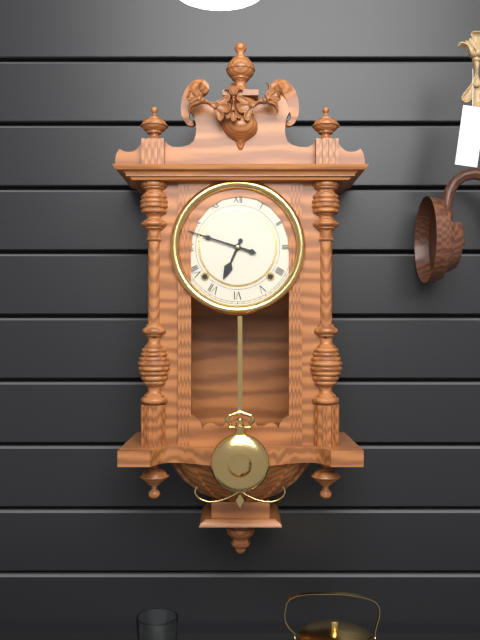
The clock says 6:48
